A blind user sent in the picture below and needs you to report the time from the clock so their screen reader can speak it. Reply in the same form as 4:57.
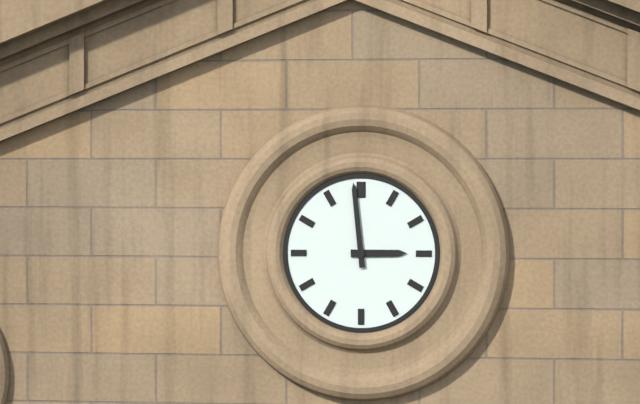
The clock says 2:59
